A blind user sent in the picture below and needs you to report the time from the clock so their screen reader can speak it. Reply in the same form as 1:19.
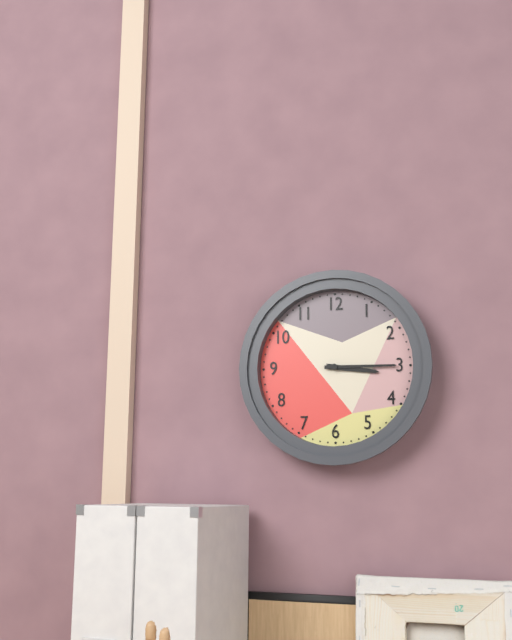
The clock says 3:15
